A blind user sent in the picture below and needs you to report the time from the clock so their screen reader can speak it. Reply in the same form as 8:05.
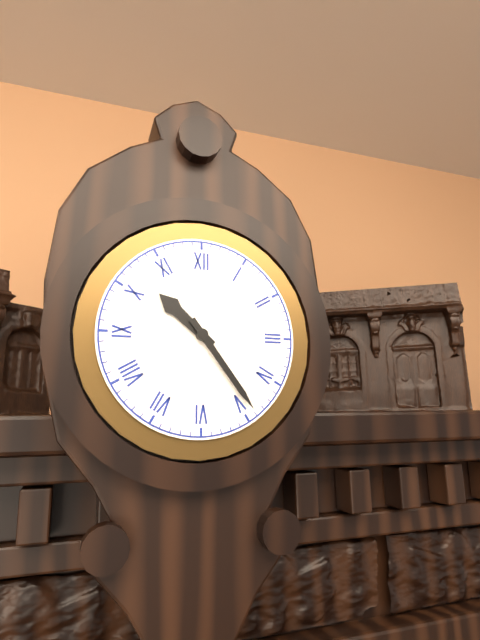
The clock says 10:24
